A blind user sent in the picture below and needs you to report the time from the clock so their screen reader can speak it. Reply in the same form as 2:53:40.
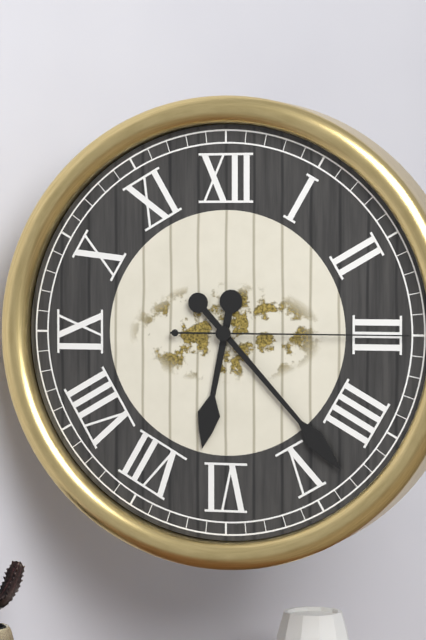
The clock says 6:23:15
